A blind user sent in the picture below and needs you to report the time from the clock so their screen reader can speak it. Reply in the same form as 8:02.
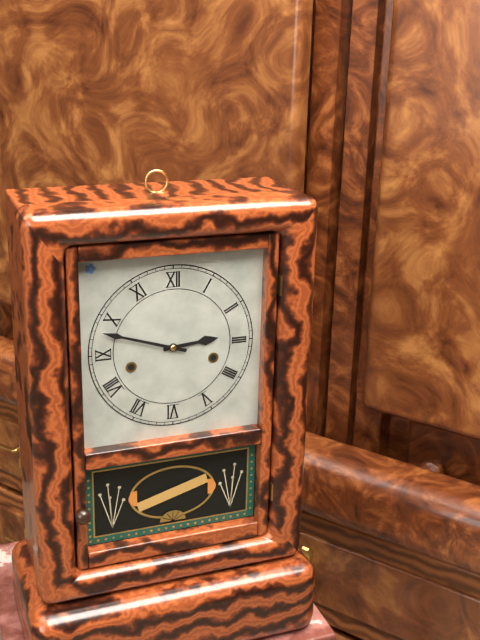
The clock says 2:48
